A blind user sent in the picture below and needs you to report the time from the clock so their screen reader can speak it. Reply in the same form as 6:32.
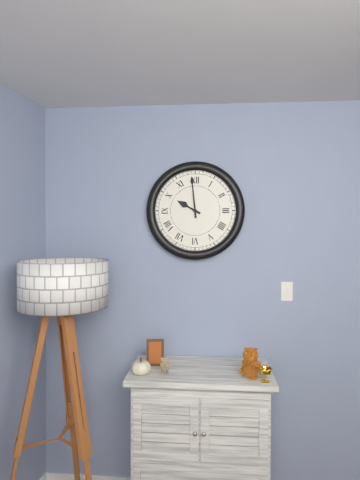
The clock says 9:59
